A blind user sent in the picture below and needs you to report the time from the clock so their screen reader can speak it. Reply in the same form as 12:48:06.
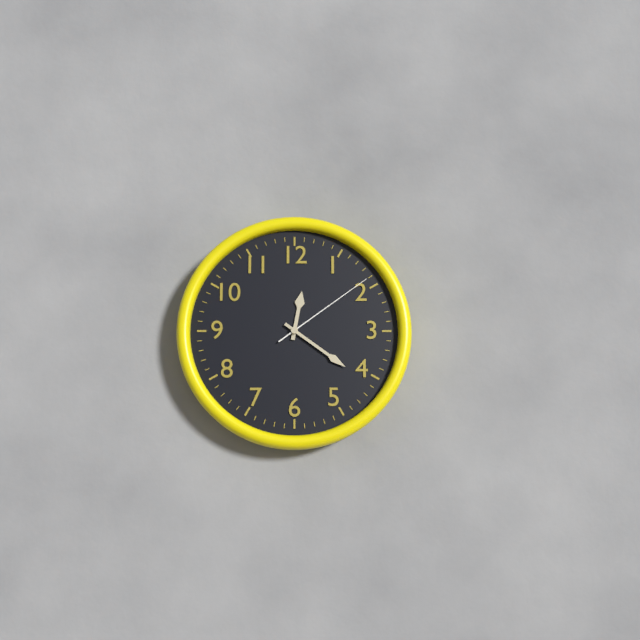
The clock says 12:21:09
